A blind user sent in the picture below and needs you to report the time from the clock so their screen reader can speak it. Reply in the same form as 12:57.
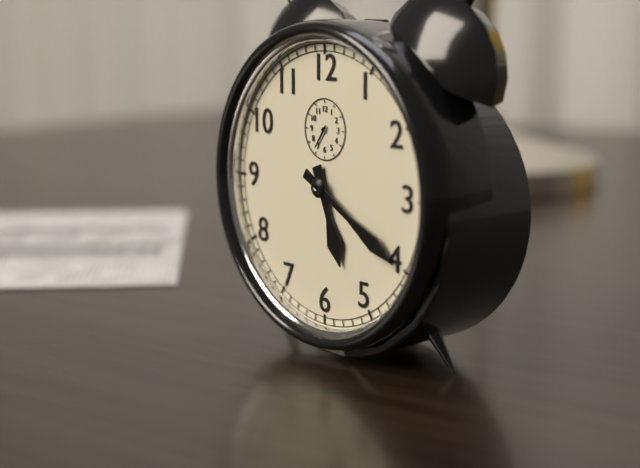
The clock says 5:20
